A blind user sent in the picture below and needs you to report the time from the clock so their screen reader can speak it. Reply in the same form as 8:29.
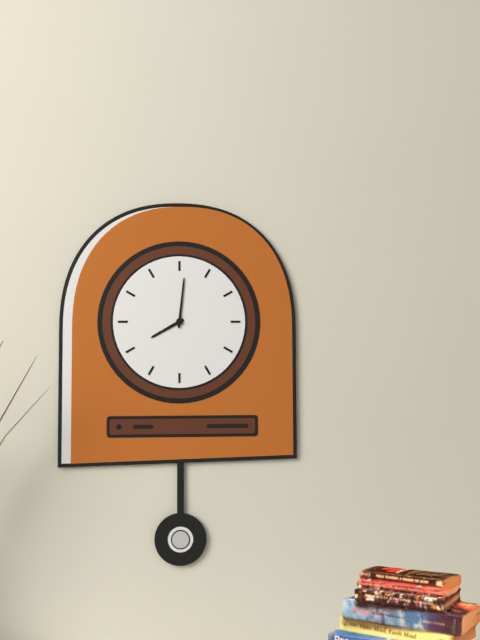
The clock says 8:01
